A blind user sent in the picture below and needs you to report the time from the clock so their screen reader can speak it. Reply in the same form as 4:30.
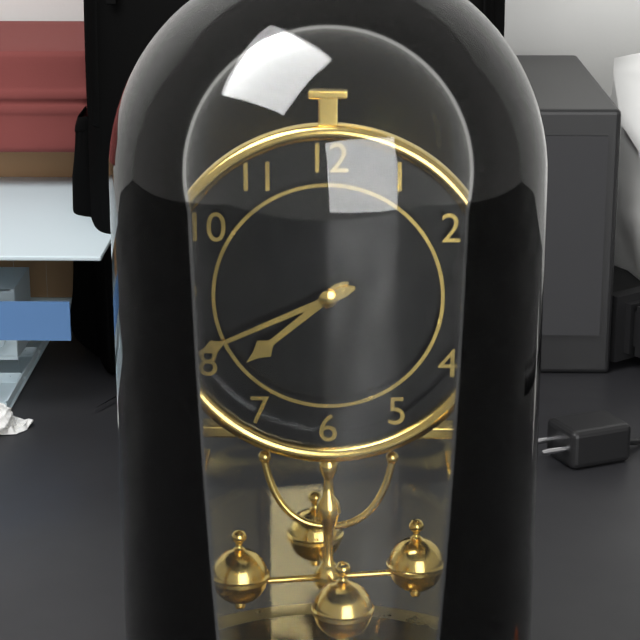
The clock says 7:41
